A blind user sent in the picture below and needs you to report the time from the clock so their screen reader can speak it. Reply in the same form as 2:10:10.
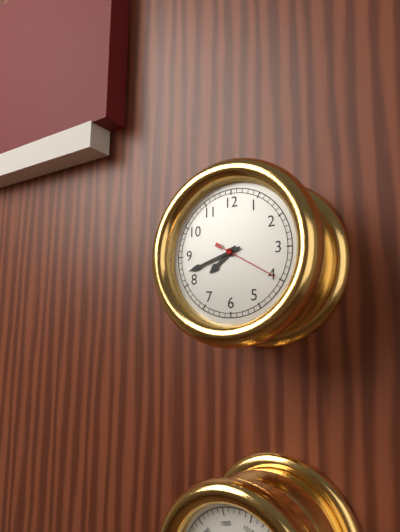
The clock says 7:42:20
